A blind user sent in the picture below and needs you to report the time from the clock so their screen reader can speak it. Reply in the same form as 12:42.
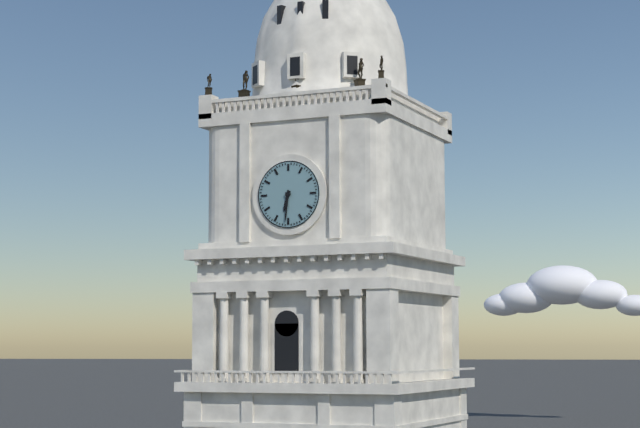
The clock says 6:31
